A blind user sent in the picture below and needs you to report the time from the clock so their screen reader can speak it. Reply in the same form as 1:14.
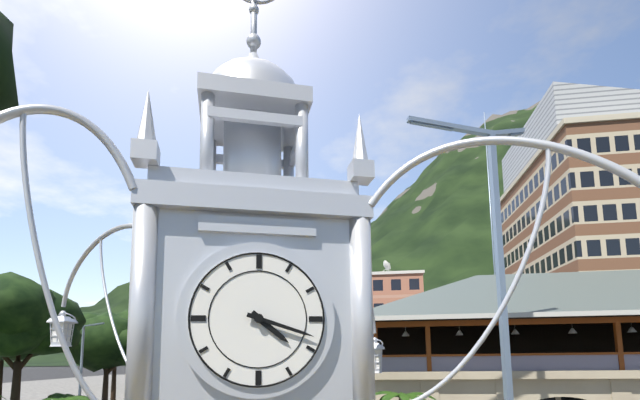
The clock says 4:18
